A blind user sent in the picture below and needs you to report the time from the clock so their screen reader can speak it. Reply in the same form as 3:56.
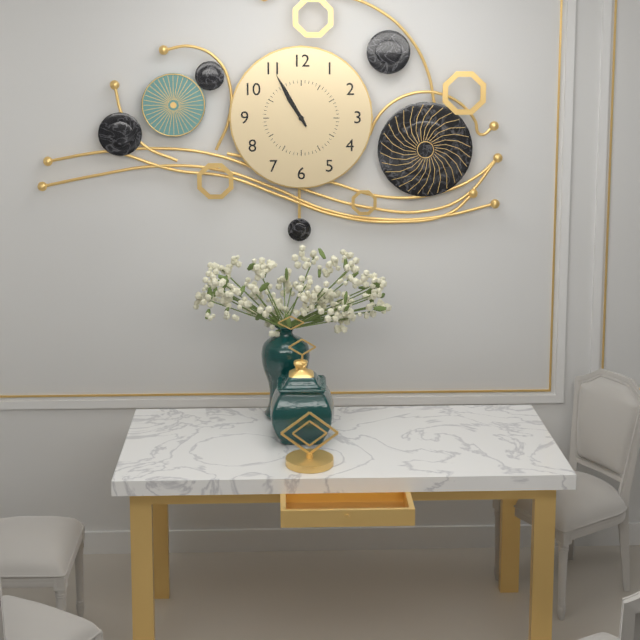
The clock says 10:55
